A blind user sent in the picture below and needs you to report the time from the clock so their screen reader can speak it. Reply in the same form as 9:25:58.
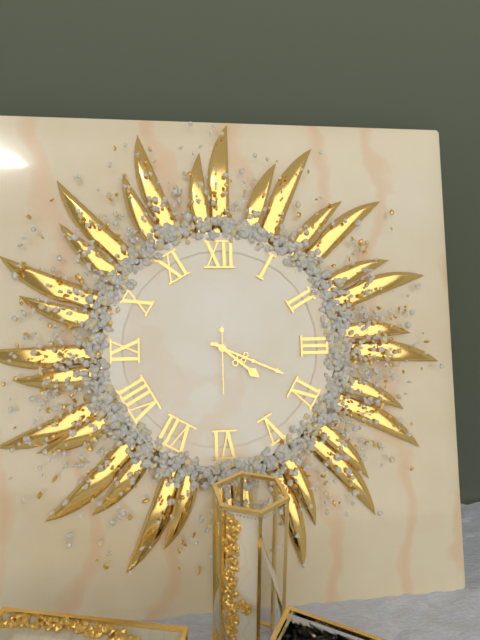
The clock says 4:19:30
